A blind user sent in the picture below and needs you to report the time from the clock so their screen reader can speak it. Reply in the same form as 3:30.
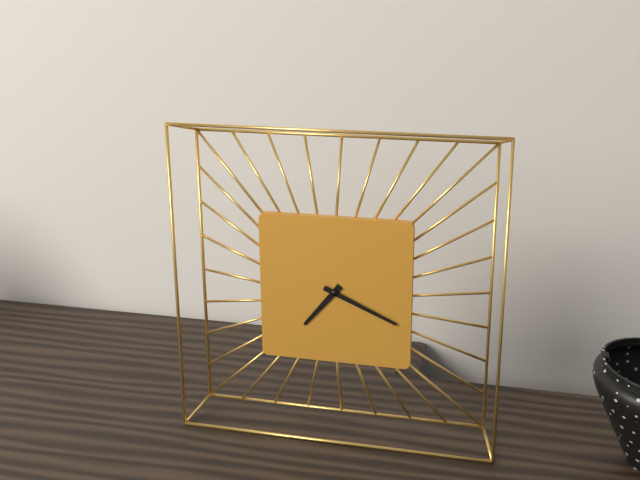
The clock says 7:19
